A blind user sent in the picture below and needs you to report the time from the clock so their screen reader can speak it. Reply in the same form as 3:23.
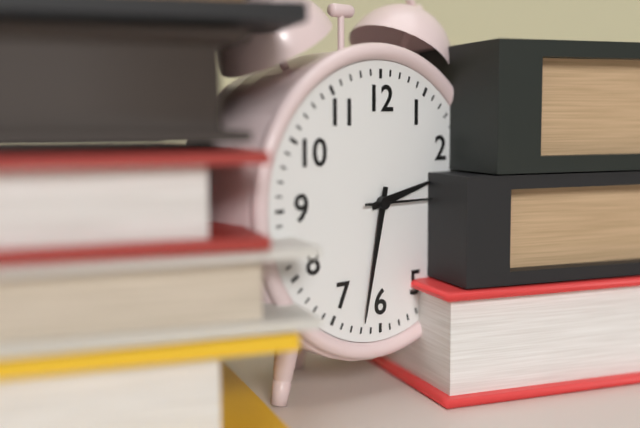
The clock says 2:32
